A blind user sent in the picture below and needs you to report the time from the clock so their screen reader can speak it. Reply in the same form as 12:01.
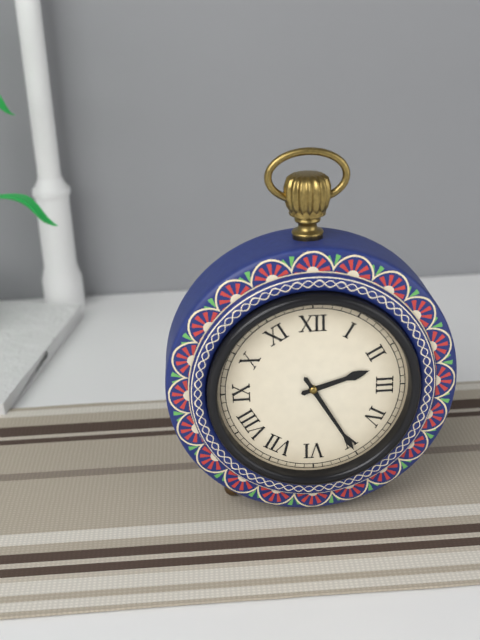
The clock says 2:25
